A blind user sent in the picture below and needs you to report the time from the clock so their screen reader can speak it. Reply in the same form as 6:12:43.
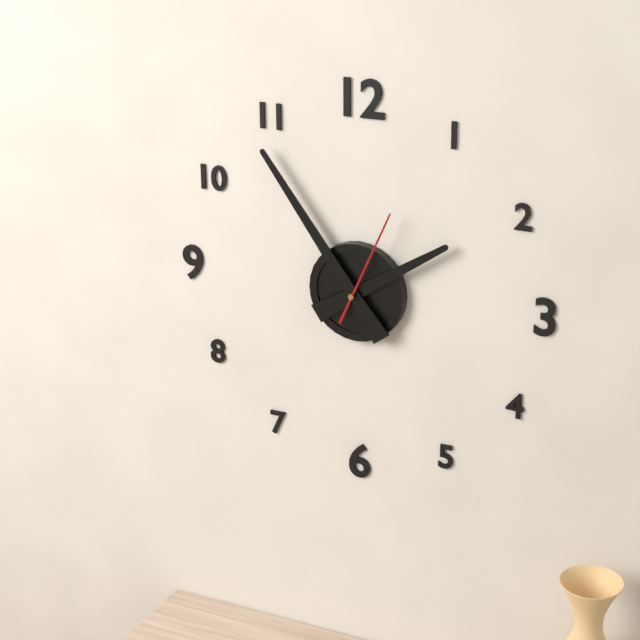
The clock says 1:54:04
